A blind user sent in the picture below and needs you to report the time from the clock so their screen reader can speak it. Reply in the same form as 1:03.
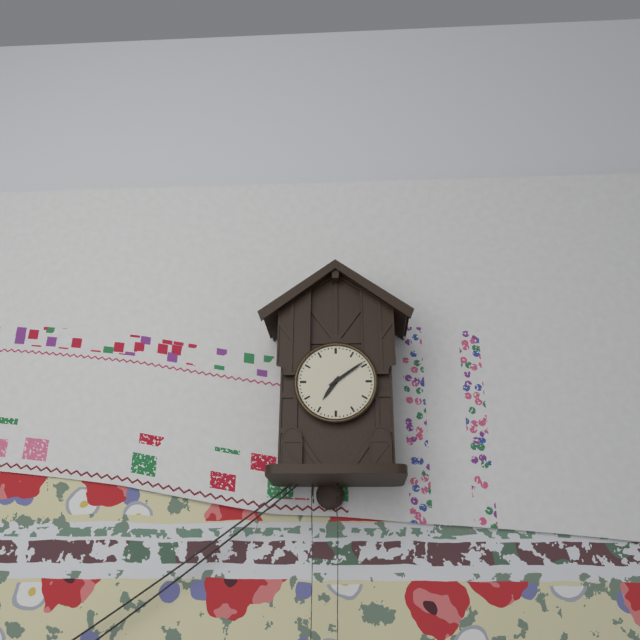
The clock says 7:09
